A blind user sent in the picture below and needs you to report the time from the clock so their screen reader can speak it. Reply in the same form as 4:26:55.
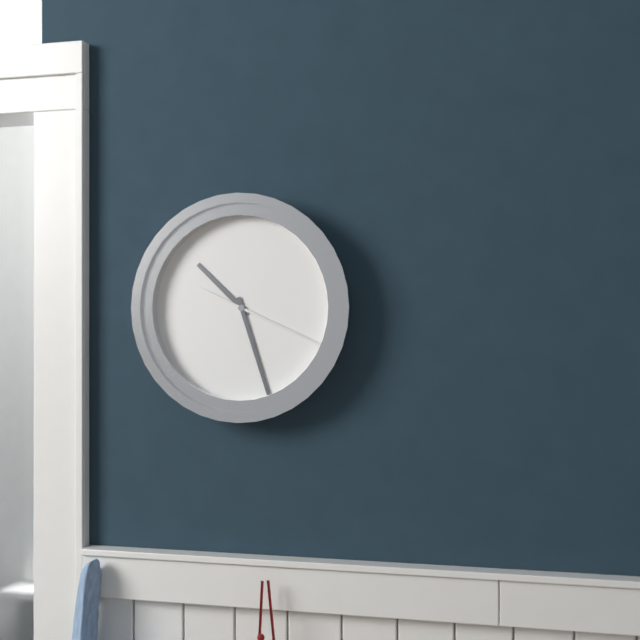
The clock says 10:27:19
